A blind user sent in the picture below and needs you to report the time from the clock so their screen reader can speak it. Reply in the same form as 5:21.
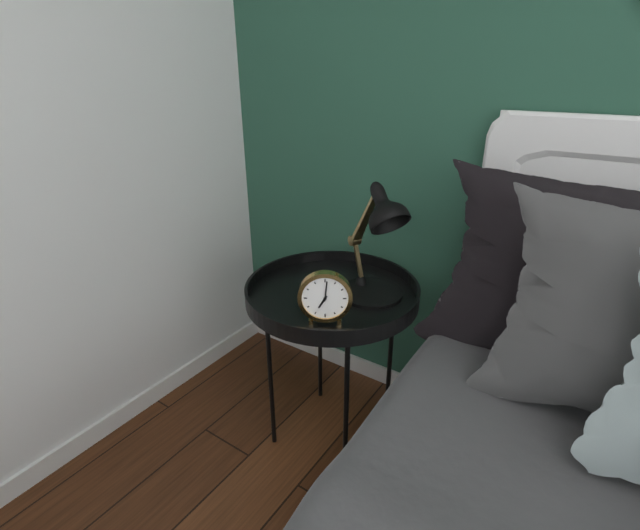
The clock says 7:01
